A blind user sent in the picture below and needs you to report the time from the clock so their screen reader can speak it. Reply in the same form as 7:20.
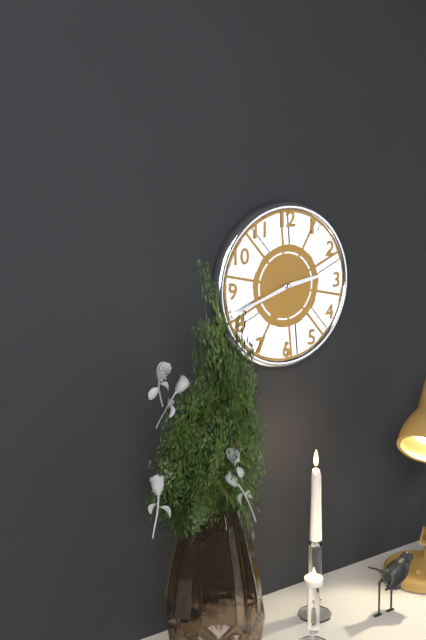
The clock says 2:42
